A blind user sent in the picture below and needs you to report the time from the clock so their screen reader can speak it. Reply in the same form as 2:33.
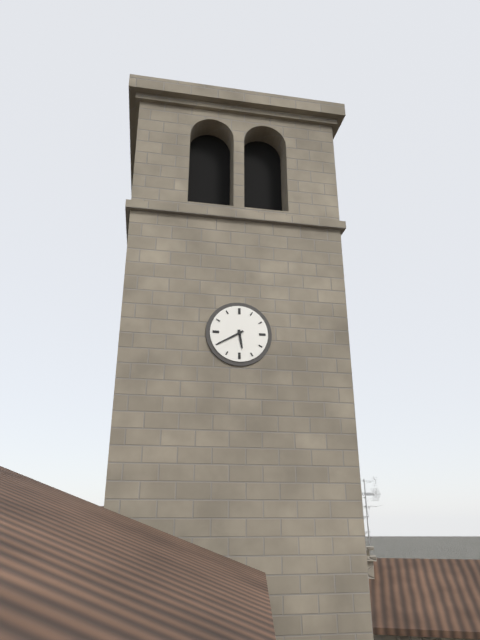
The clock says 5:40
